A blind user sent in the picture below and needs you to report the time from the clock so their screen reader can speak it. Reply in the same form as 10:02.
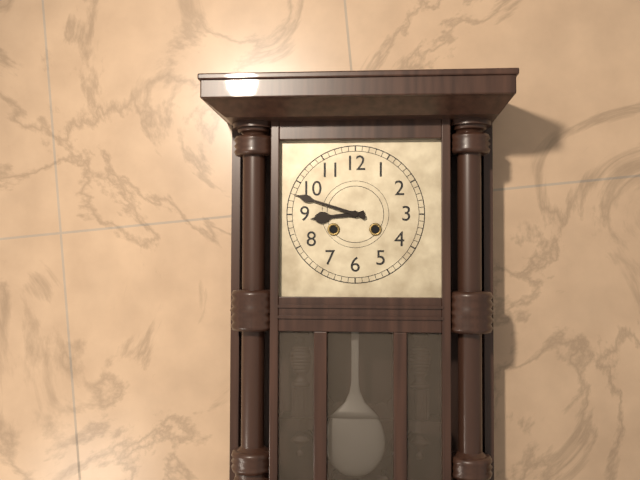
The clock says 8:48
